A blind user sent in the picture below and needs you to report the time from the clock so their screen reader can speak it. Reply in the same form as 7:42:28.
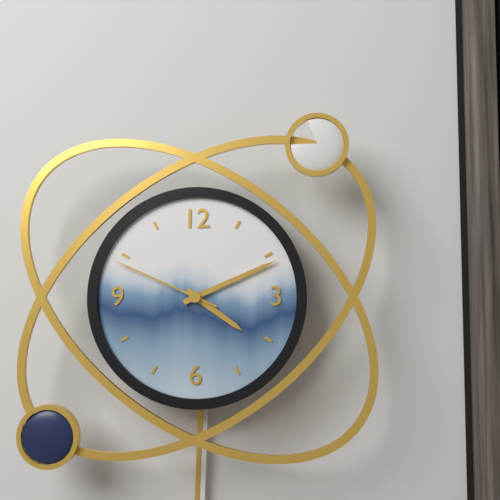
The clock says 4:11:49
